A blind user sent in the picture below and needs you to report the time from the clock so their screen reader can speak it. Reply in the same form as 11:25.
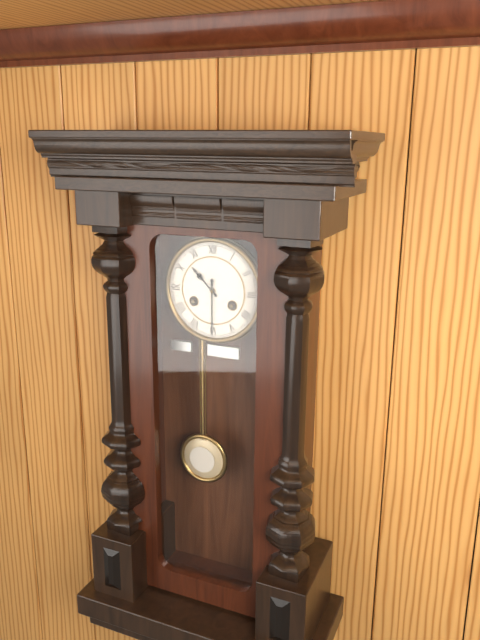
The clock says 10:30
